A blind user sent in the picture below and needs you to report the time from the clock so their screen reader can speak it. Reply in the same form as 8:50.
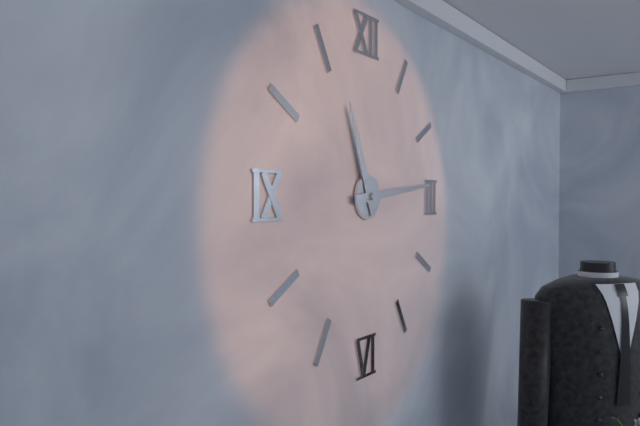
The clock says 11:14
